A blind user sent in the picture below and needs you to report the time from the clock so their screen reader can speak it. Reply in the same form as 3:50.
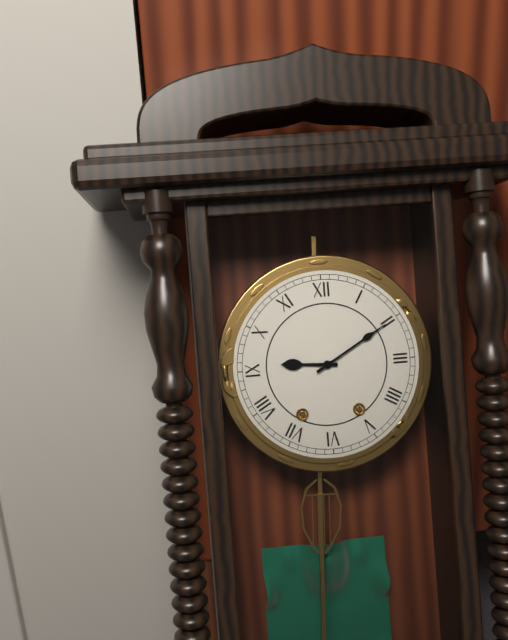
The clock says 9:10
